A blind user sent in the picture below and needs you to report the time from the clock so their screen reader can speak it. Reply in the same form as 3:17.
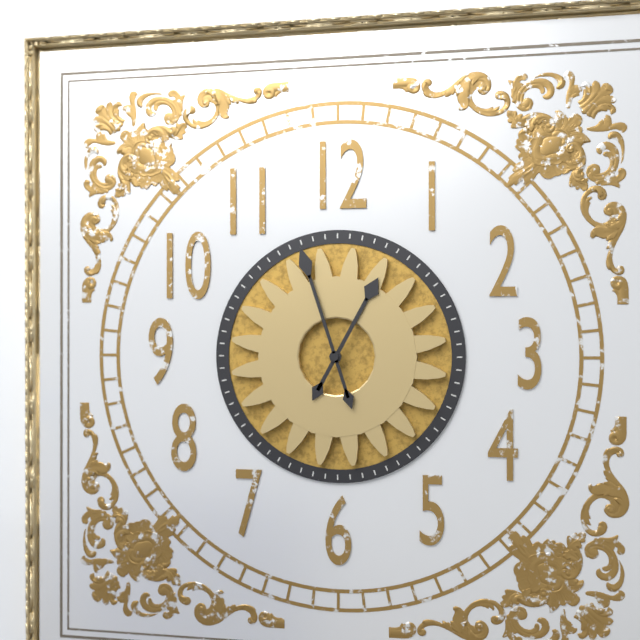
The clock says 12:57
